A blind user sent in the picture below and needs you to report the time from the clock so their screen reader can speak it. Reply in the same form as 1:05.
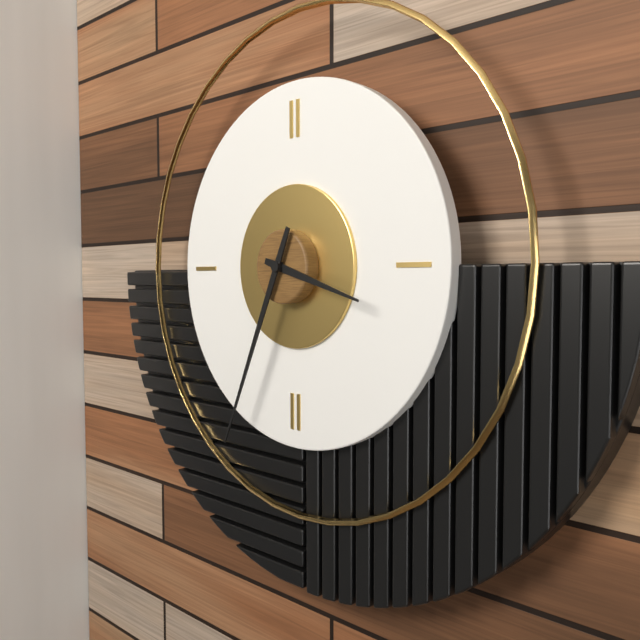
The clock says 3:34
